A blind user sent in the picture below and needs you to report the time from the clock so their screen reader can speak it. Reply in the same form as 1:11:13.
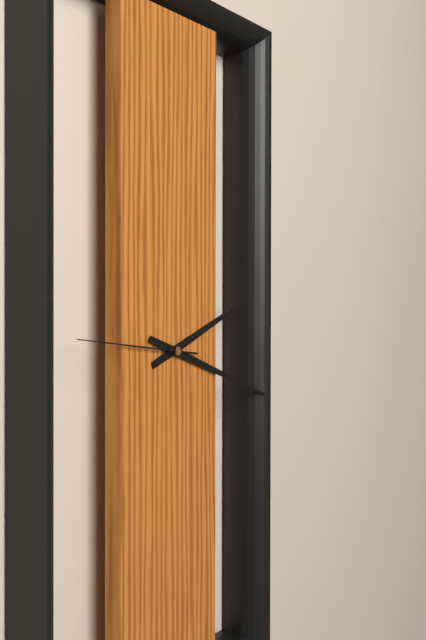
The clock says 2:18:46
